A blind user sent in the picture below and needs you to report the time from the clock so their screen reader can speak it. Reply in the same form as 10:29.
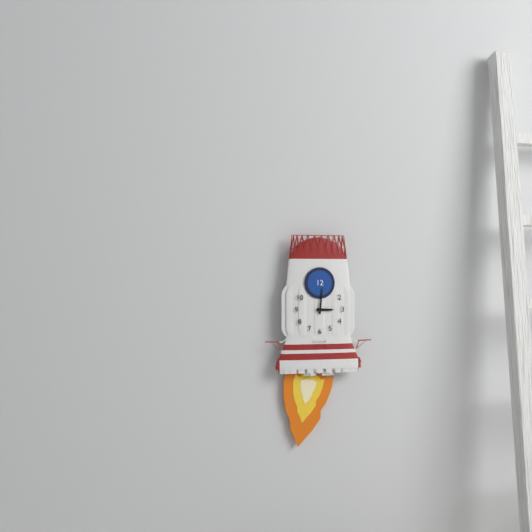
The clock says 3:01
